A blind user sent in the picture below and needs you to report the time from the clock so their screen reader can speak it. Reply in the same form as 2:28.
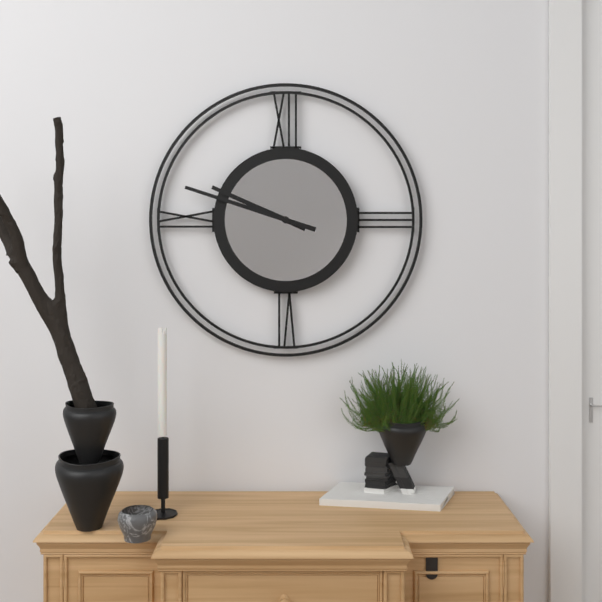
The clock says 9:48
